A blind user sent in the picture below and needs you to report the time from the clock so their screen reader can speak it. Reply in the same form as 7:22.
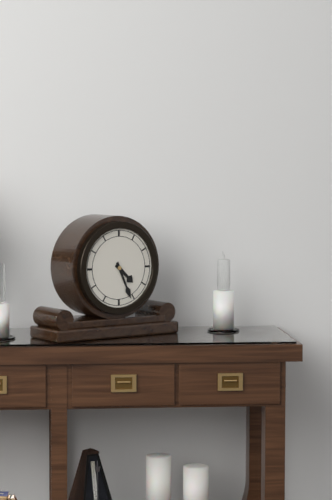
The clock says 4:26
